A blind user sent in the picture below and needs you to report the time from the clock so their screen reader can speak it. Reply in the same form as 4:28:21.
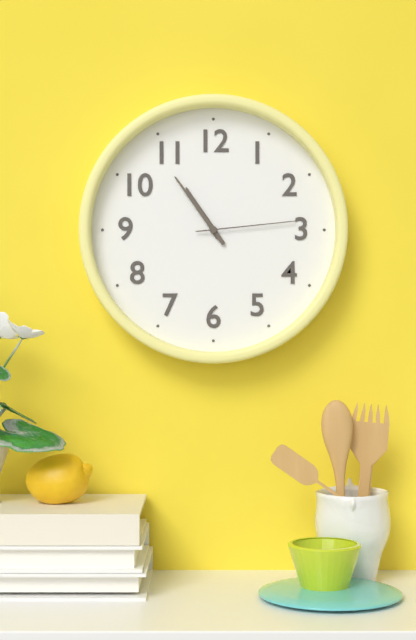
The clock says 10:54:14
